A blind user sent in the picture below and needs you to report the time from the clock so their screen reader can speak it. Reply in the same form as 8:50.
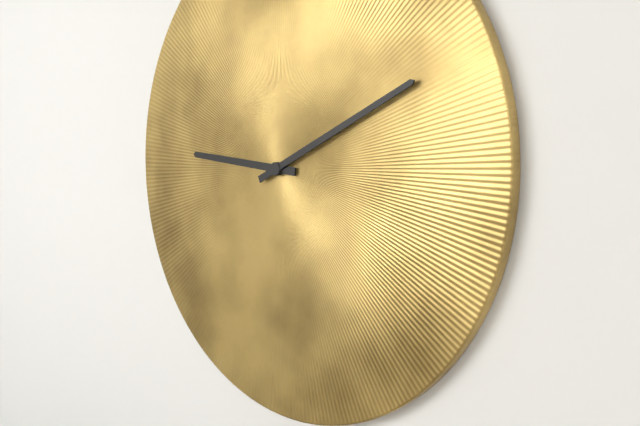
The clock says 9:11
